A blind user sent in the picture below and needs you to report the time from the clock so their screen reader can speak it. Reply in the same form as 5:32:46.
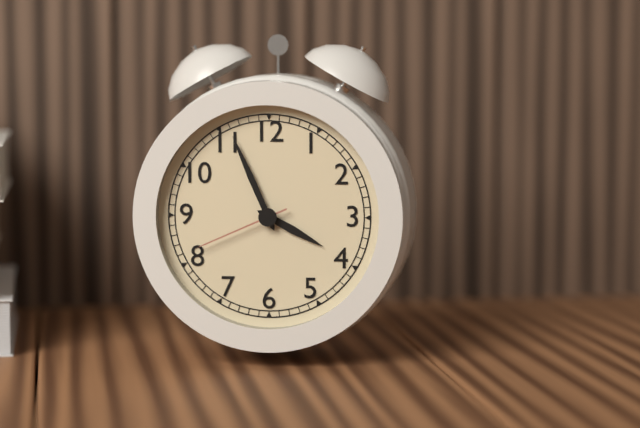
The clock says 3:56:41
